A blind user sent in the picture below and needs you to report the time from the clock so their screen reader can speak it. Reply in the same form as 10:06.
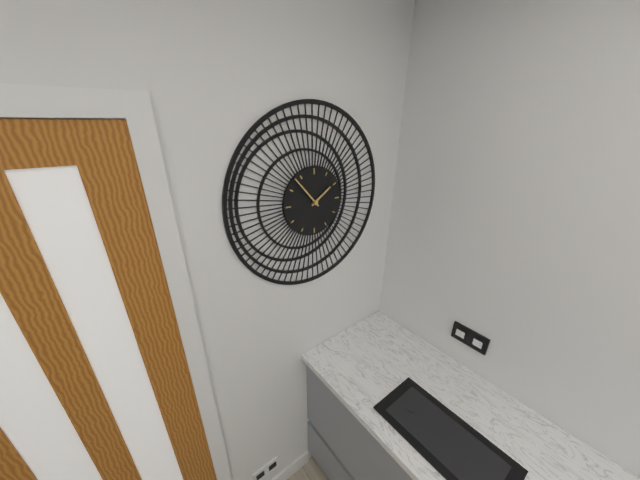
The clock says 1:53
